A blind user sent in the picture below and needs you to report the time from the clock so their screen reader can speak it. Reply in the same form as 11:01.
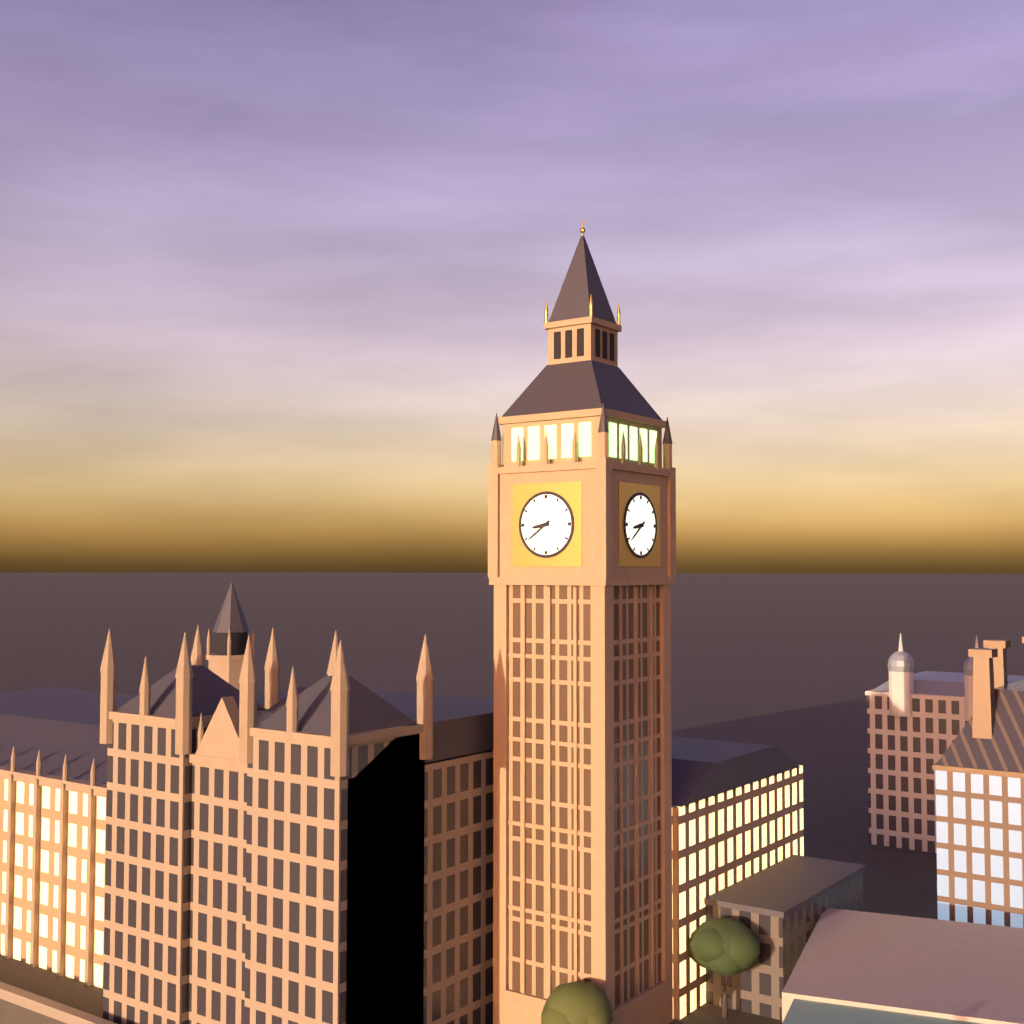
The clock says 8:39
